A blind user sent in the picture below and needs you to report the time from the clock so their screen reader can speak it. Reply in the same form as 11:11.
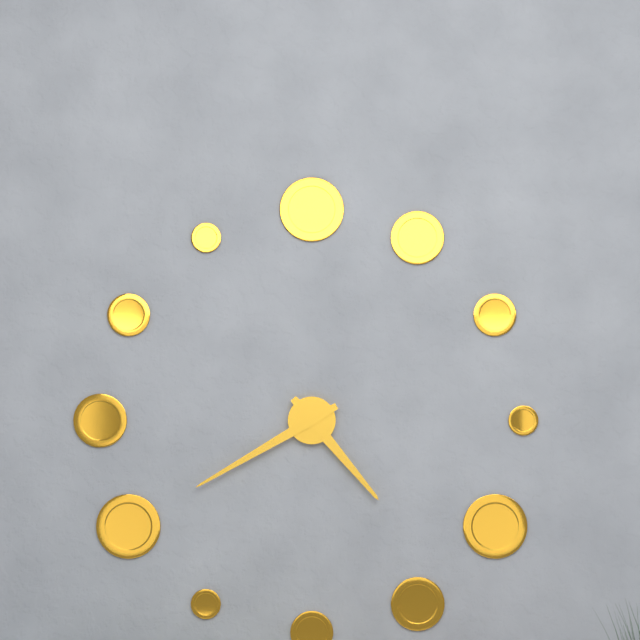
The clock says 4:40
